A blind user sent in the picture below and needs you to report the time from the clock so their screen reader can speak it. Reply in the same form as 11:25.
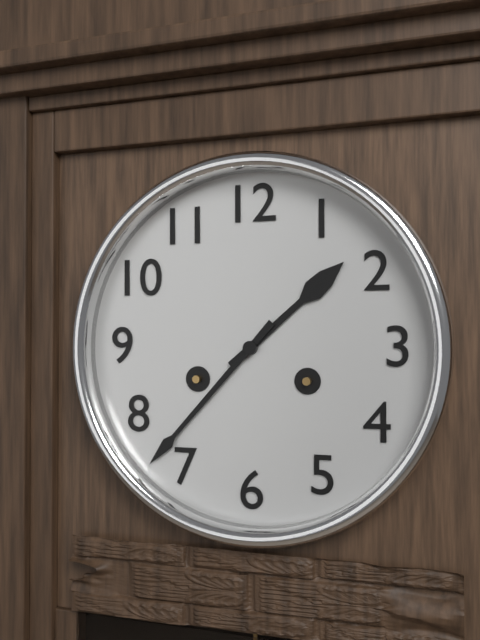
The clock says 1:37
